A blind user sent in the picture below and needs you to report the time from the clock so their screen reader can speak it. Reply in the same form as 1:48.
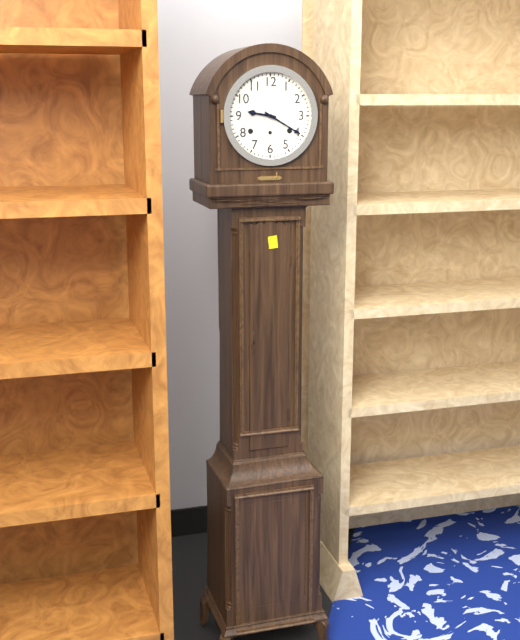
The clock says 9:20
